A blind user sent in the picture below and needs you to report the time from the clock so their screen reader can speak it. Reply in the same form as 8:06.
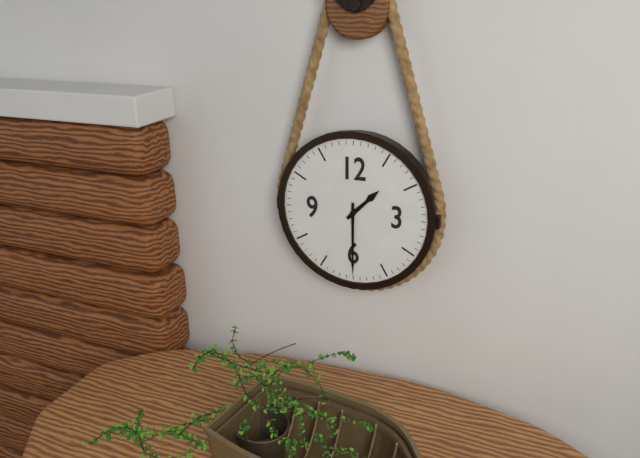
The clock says 1:30
